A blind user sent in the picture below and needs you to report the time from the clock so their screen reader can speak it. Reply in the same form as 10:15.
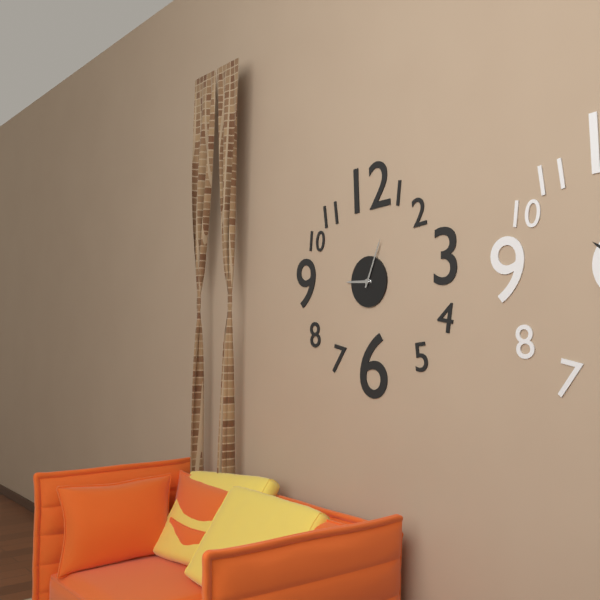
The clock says 9:04
